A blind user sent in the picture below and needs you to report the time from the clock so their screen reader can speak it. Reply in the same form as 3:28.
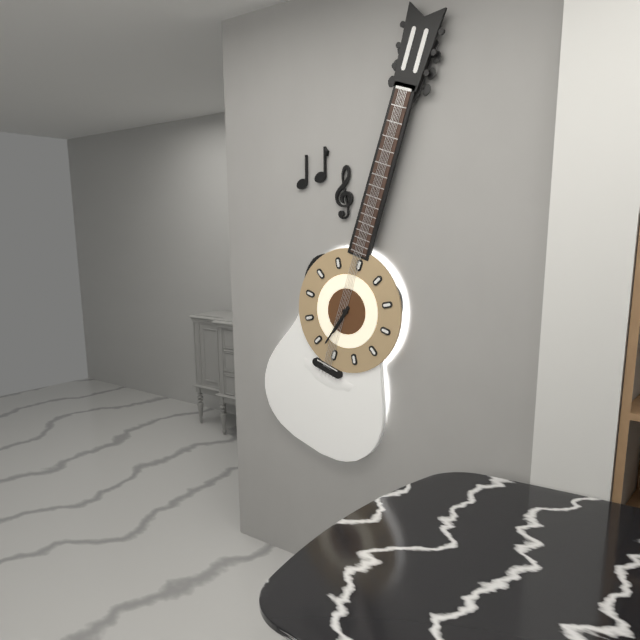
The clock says 6:33
